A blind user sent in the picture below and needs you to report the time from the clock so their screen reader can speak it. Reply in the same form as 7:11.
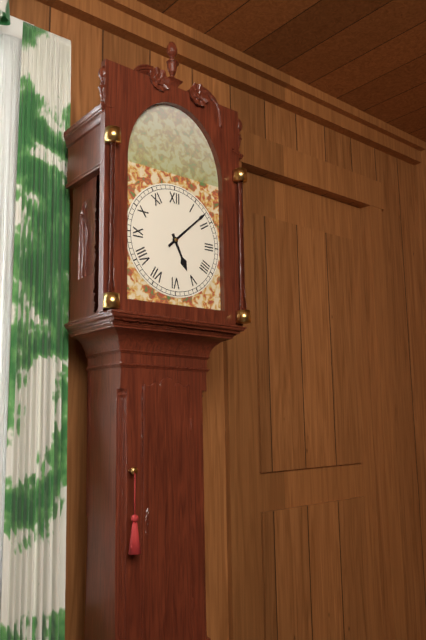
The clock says 5:08
